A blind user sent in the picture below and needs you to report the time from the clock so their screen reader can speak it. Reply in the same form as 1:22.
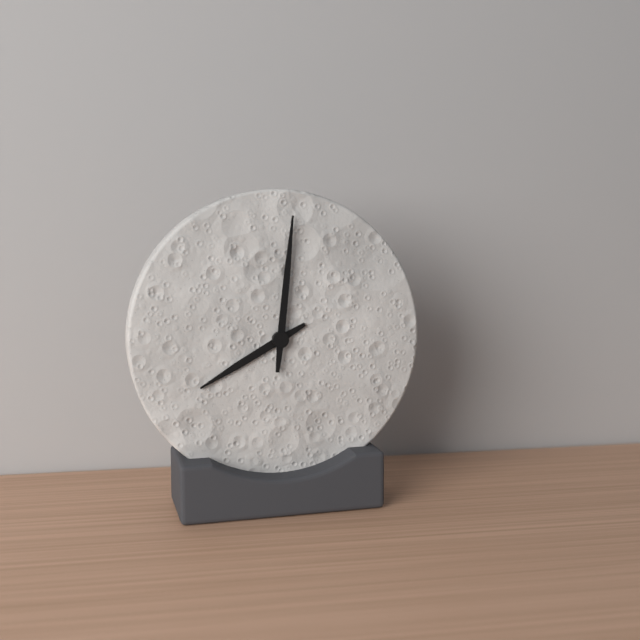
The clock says 8:01
